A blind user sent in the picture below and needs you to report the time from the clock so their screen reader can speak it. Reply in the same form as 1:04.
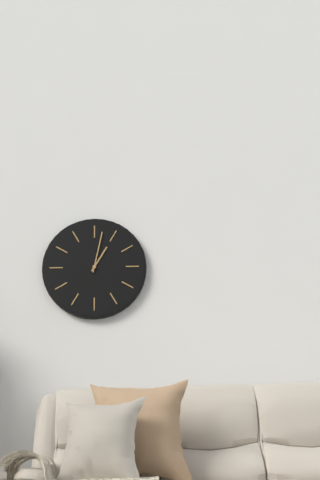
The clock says 1:02
